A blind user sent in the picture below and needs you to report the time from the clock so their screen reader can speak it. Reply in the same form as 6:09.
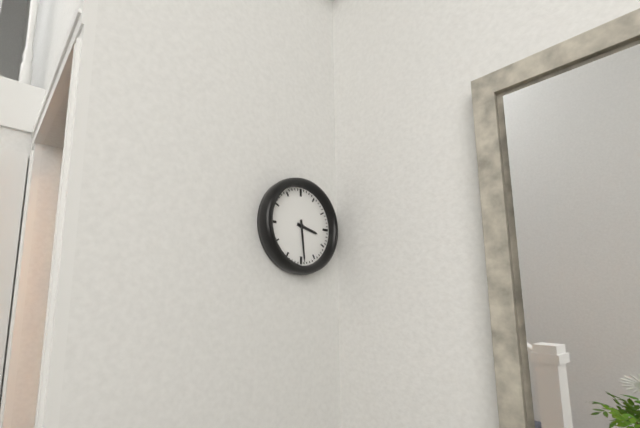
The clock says 3:29
